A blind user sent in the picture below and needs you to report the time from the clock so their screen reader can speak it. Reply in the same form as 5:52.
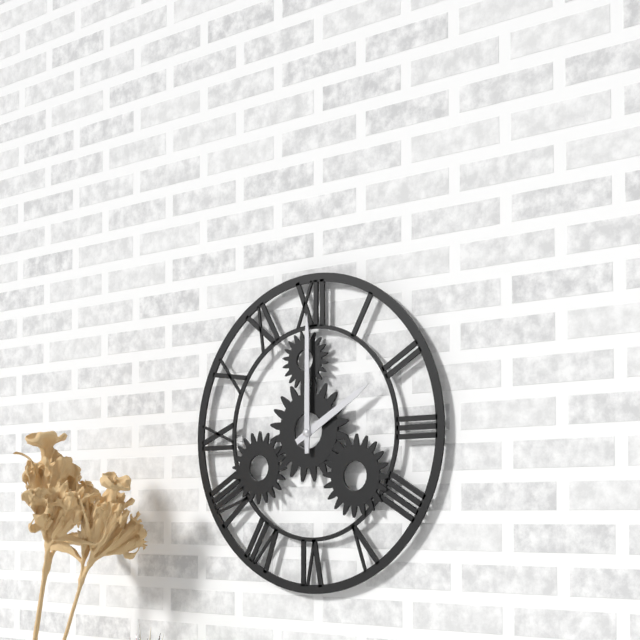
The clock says 2:00
